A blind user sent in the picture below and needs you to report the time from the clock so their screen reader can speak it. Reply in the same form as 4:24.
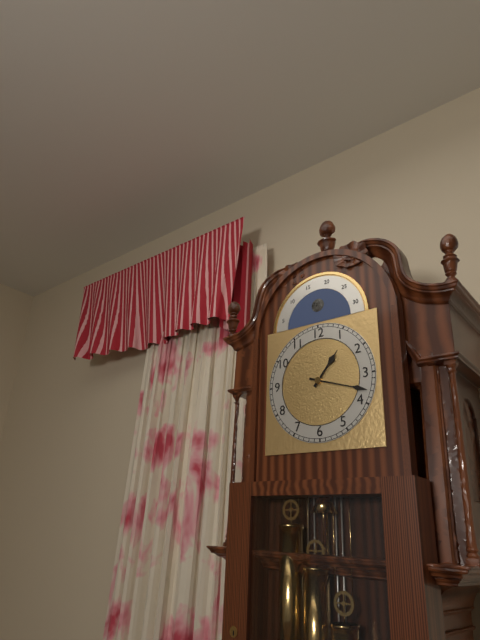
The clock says 1:18
